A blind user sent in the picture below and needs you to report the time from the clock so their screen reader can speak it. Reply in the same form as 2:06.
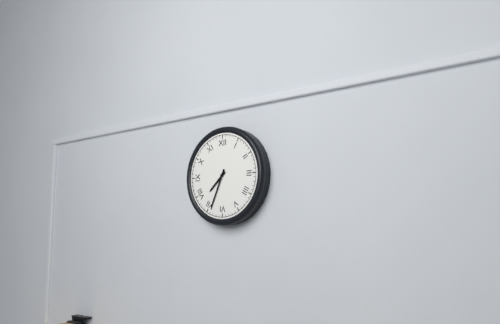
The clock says 7:34
